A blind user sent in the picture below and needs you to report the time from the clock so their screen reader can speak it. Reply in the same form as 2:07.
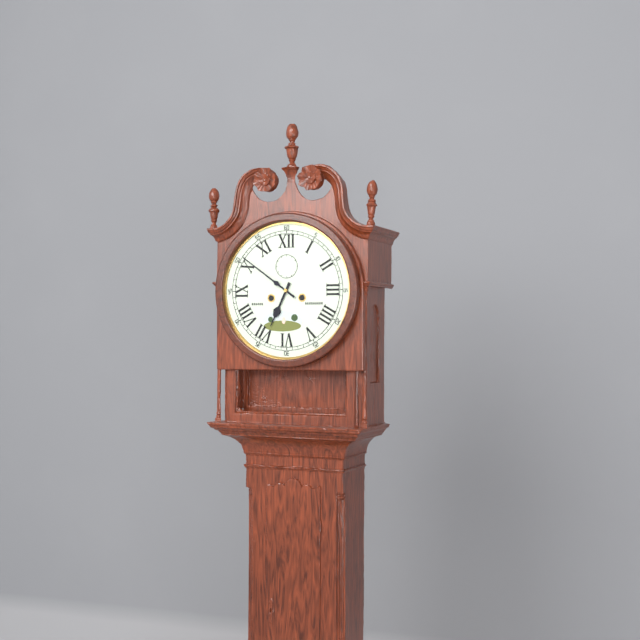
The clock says 6:51
